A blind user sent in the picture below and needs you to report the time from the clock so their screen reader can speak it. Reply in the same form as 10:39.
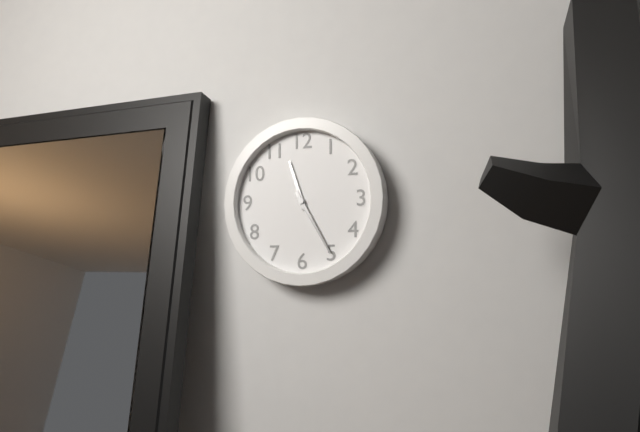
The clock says 11:25
